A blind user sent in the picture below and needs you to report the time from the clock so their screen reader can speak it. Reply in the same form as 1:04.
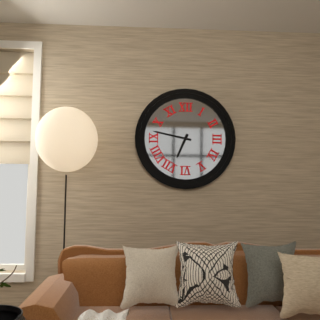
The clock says 6:47
